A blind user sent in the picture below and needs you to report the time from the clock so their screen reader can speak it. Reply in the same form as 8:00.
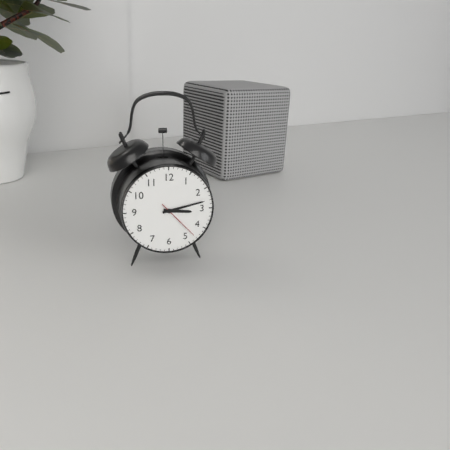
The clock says 3:13
